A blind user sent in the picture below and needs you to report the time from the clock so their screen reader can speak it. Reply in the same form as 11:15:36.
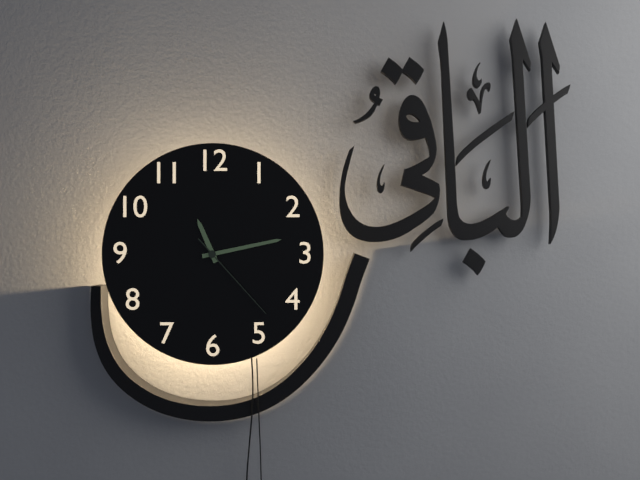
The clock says 11:13:23
